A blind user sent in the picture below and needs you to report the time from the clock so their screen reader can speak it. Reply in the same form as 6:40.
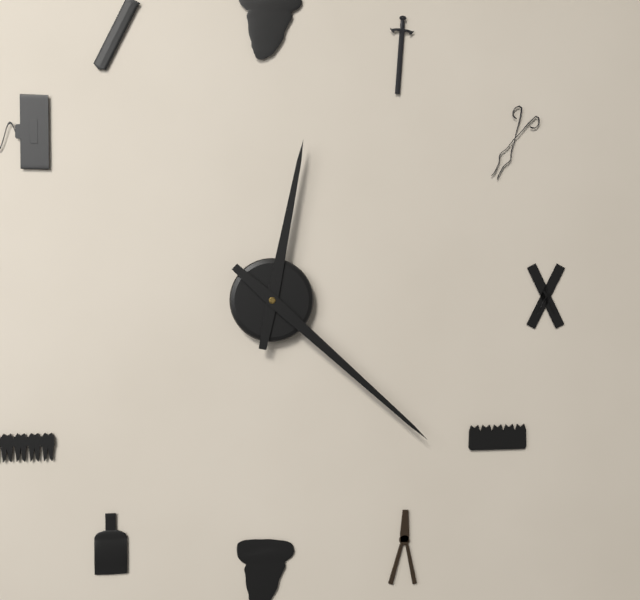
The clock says 12:22
